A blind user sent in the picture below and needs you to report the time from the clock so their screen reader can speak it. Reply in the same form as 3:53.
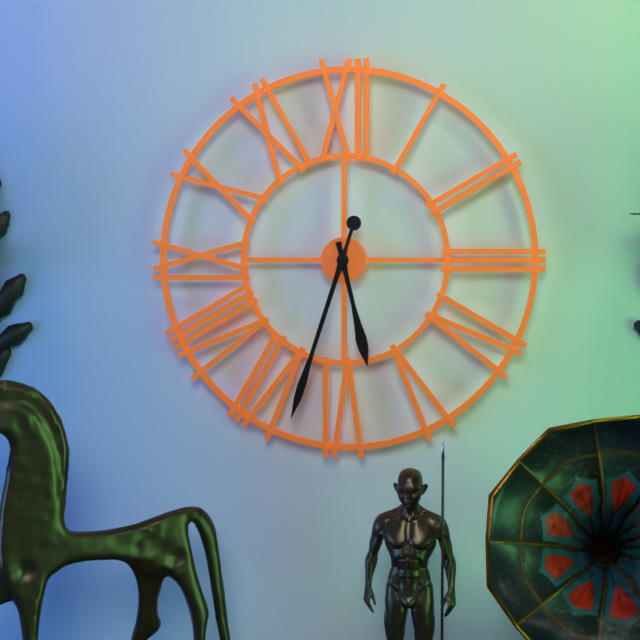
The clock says 5:33
